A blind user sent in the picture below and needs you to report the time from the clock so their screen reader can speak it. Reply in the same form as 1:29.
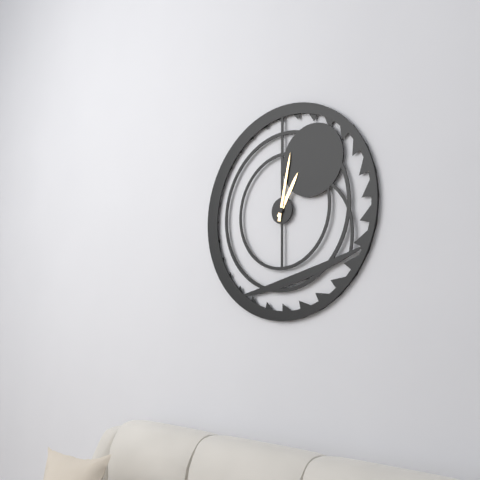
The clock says 1:02
